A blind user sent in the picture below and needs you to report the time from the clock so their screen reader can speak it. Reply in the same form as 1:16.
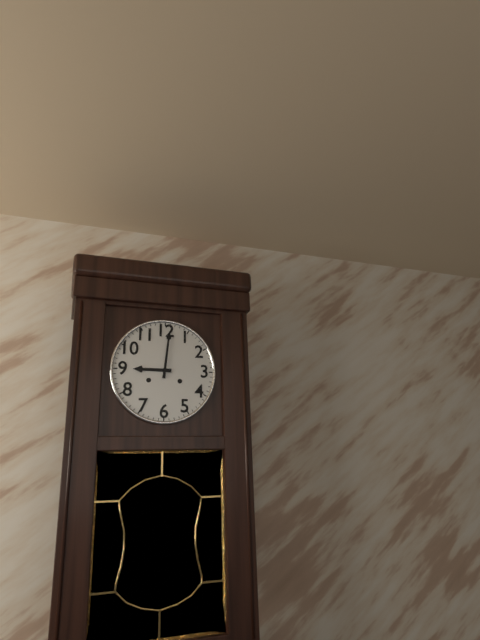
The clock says 9:01
